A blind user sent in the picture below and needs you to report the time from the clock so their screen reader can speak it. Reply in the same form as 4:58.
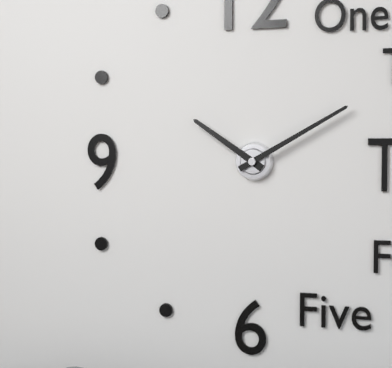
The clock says 10:10
